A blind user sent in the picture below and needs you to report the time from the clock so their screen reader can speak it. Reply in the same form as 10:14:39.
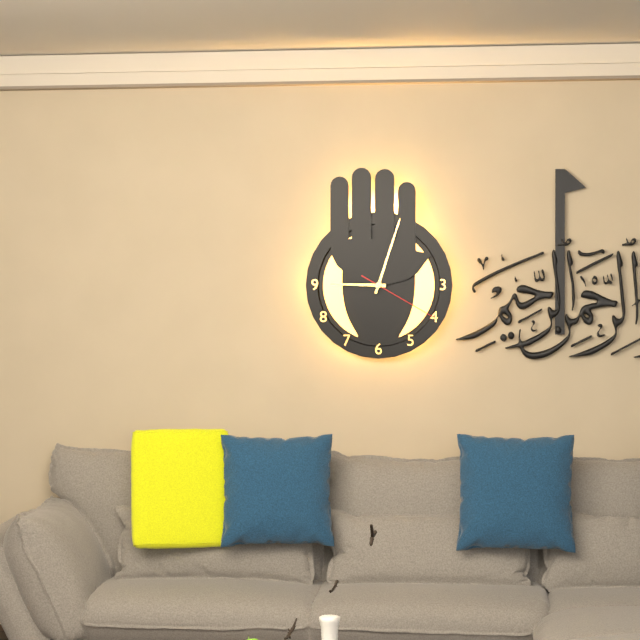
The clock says 9:03:20
